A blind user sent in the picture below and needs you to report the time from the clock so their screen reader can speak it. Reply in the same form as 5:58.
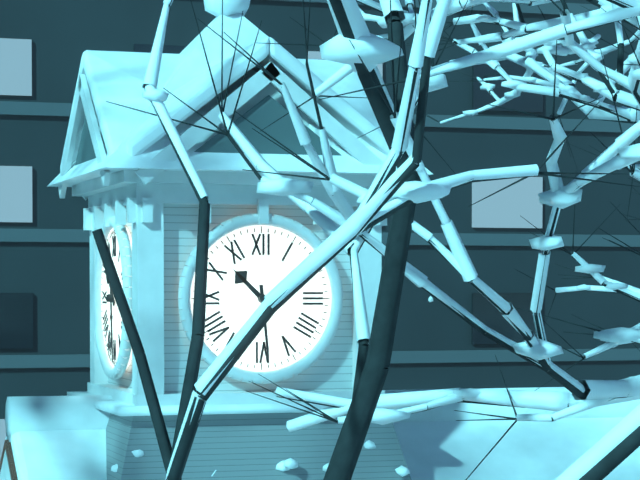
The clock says 10:29
